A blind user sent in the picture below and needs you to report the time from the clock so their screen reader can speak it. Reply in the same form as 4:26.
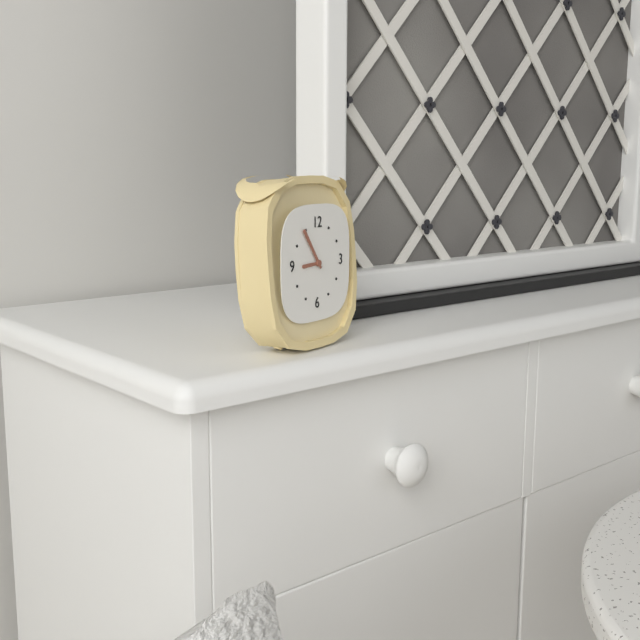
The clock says 8:54
